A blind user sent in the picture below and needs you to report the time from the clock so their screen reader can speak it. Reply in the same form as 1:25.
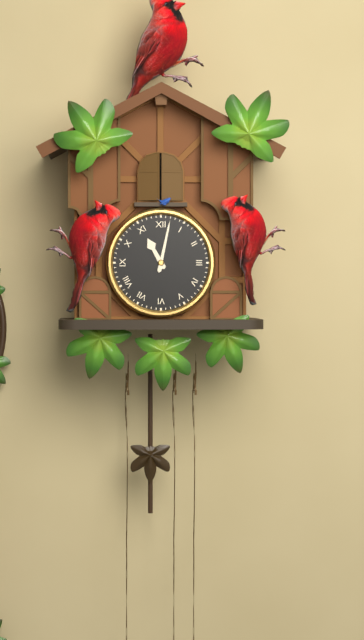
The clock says 11:02
